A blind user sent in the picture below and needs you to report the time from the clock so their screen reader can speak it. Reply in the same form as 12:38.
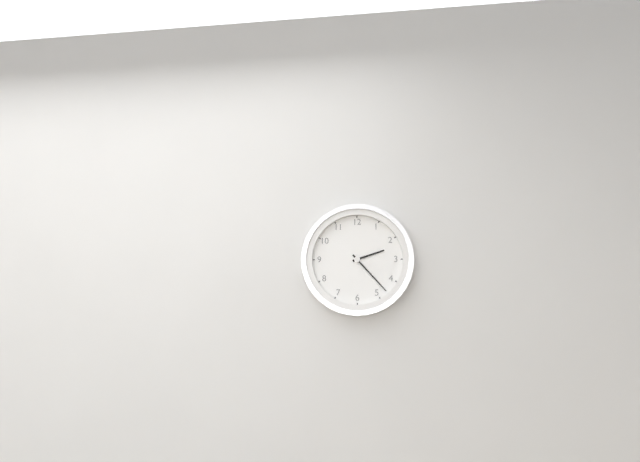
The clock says 2:23
